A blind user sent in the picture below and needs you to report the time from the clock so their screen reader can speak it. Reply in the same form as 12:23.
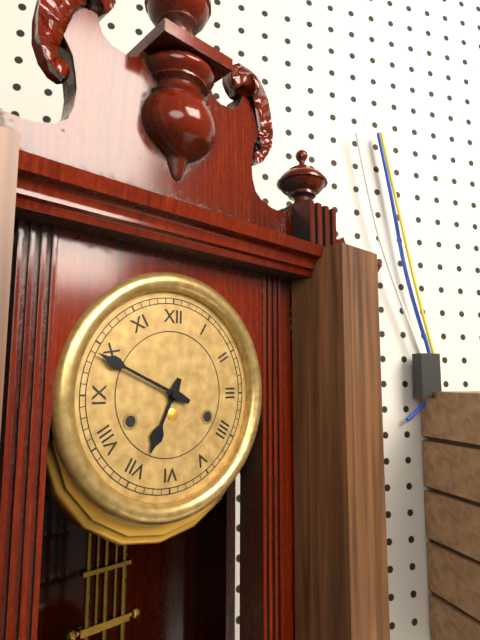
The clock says 6:49
